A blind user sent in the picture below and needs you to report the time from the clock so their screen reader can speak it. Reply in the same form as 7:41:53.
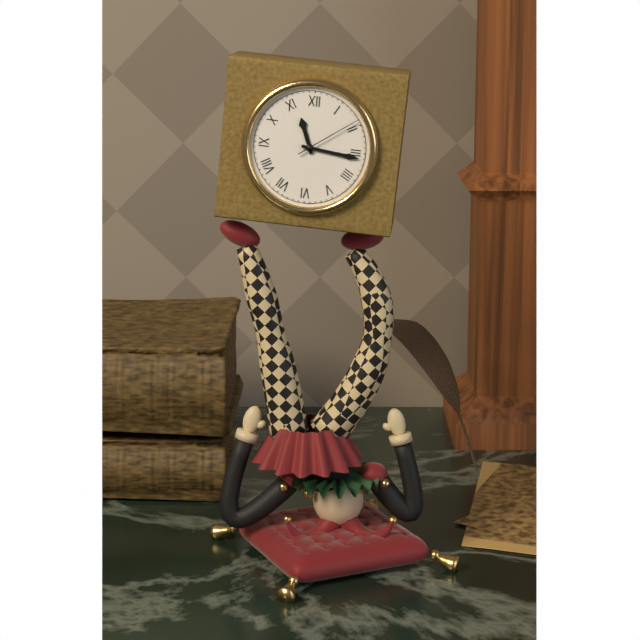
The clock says 11:16:09
